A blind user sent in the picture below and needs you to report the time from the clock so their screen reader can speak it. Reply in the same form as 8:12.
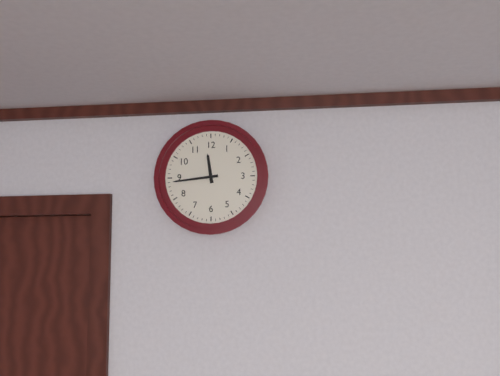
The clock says 11:44
